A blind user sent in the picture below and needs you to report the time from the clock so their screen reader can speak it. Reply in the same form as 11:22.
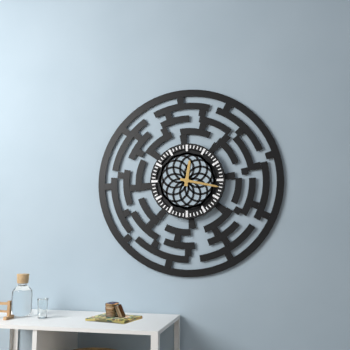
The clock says 12:17
